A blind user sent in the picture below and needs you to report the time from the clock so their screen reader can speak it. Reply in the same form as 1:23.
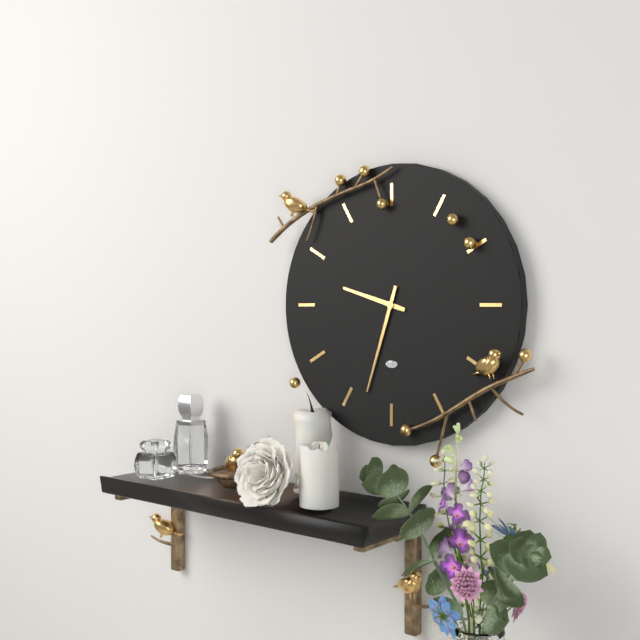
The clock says 9:33
